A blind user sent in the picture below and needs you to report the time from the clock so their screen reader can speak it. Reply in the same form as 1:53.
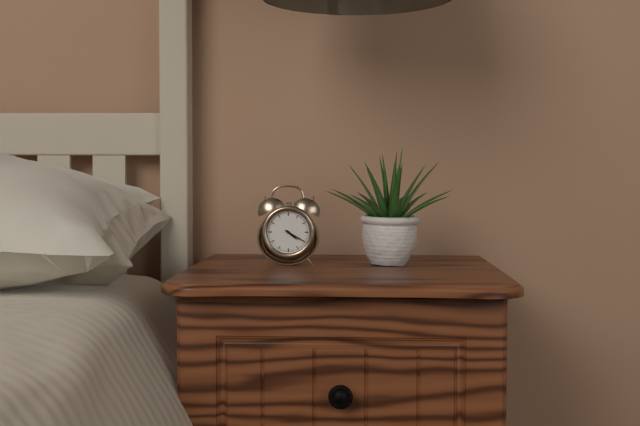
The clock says 4:20
